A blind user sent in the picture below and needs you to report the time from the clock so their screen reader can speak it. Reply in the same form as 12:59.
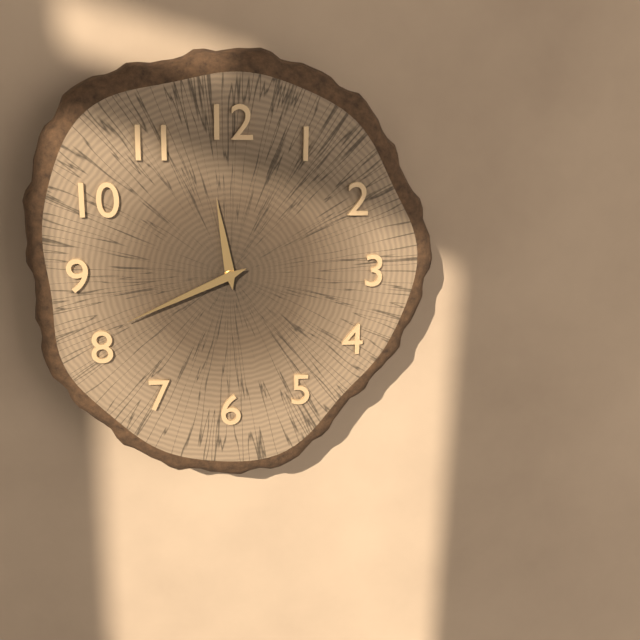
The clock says 11:41
